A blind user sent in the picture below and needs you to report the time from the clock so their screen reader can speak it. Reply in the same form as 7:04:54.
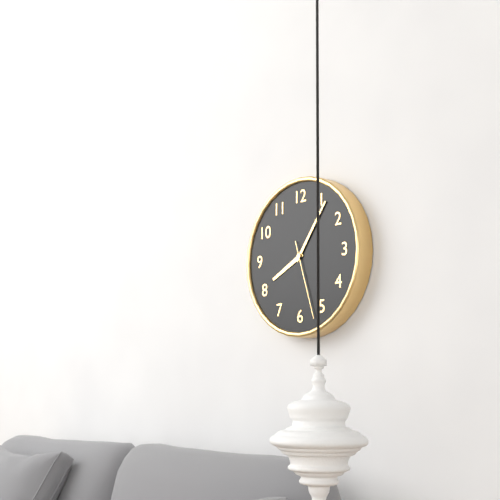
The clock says 8:06:27
